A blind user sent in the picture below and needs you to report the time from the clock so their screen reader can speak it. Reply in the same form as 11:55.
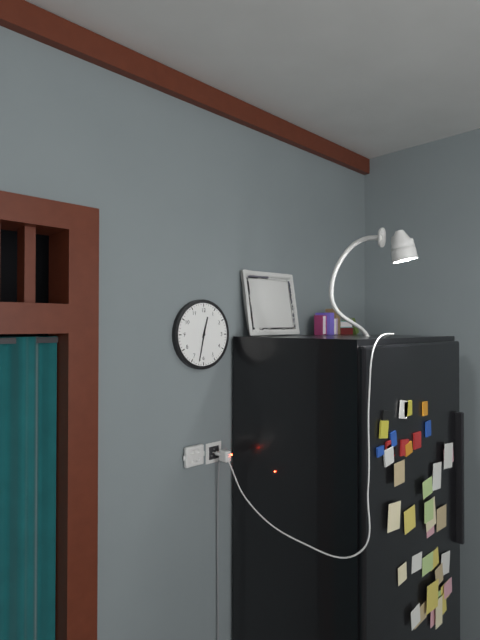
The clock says 12:32
